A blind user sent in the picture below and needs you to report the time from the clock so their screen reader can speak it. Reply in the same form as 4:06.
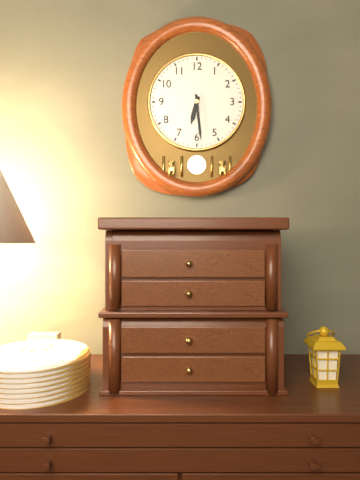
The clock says 6:29
